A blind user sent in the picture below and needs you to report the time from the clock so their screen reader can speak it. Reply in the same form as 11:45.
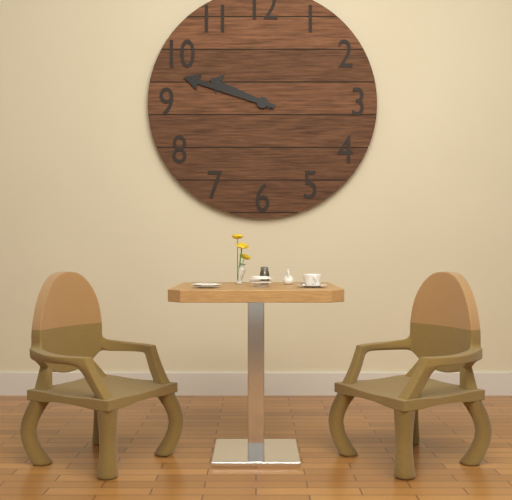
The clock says 9:48
